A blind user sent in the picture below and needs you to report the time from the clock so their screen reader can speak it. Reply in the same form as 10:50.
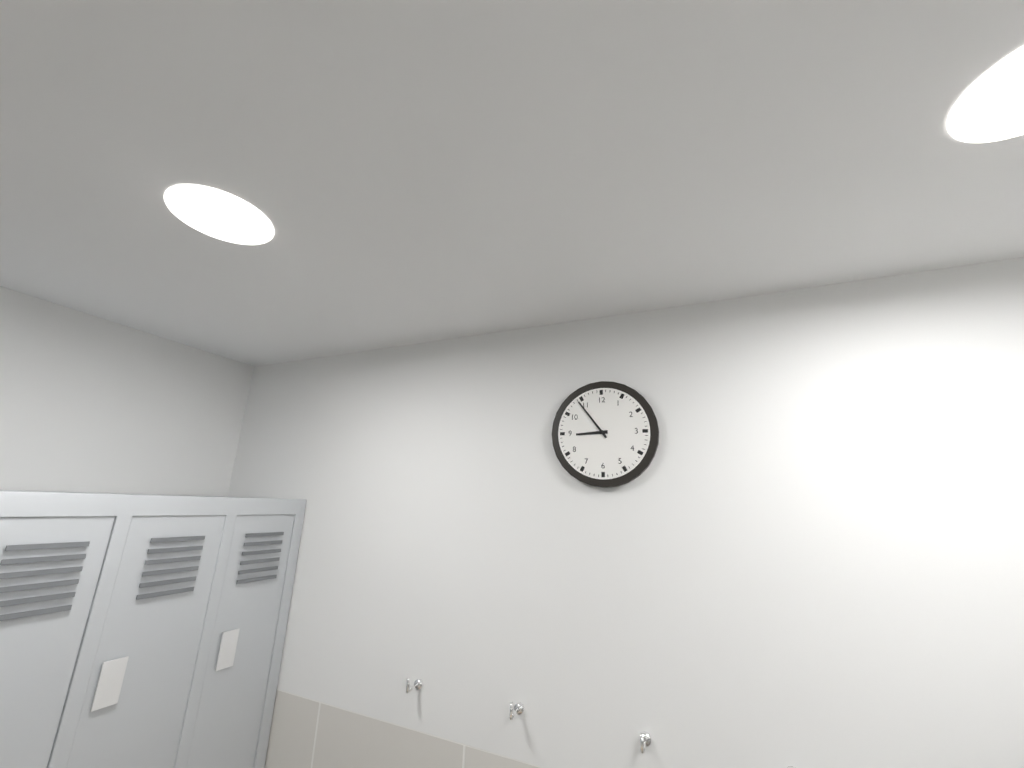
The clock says 8:54
